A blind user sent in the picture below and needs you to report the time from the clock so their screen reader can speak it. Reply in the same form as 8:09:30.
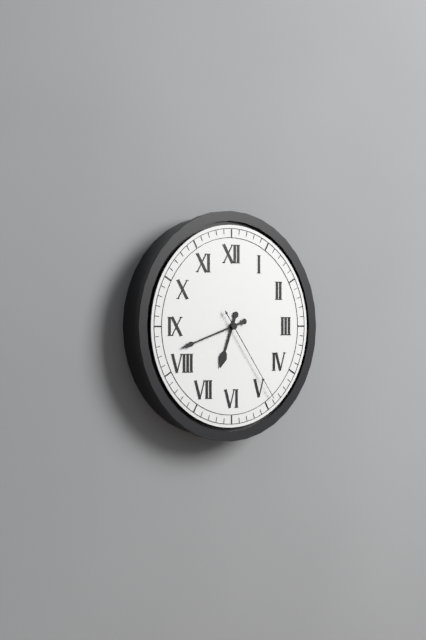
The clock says 6:42:24
